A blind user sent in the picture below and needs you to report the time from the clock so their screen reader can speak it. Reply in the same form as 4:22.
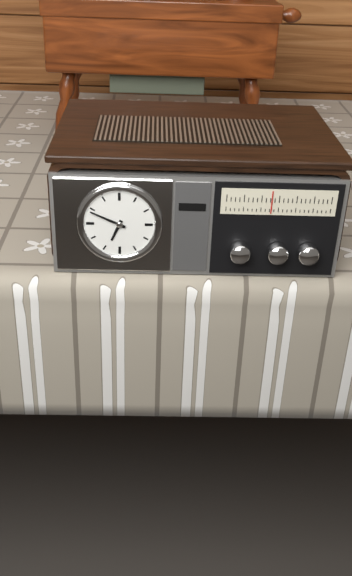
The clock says 6:49
